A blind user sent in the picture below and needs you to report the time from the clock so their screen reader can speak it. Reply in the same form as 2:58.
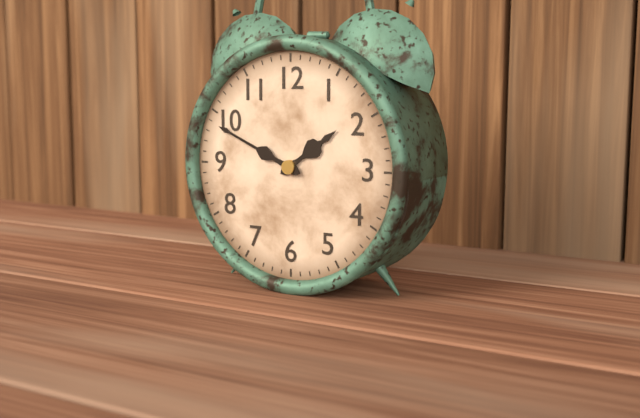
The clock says 1:49
